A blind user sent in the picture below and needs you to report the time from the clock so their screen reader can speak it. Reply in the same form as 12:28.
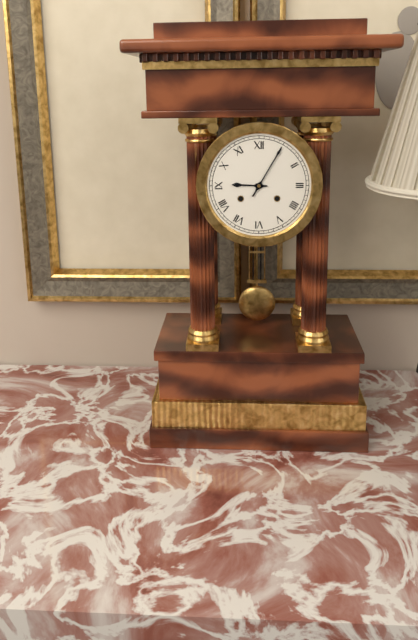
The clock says 9:05
